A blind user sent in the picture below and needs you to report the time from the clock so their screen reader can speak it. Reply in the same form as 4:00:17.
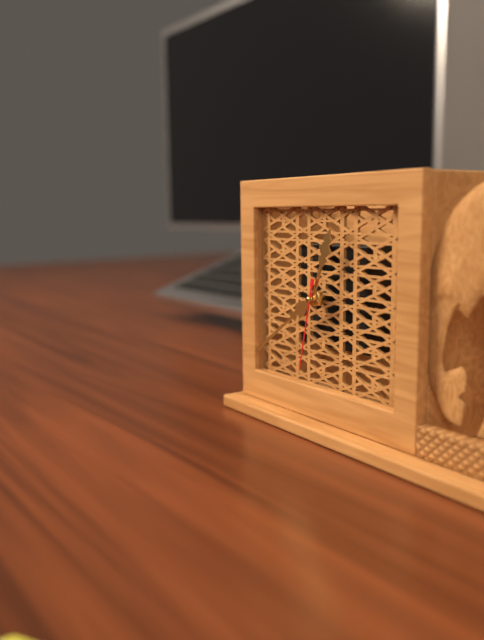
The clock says 12:39:32
